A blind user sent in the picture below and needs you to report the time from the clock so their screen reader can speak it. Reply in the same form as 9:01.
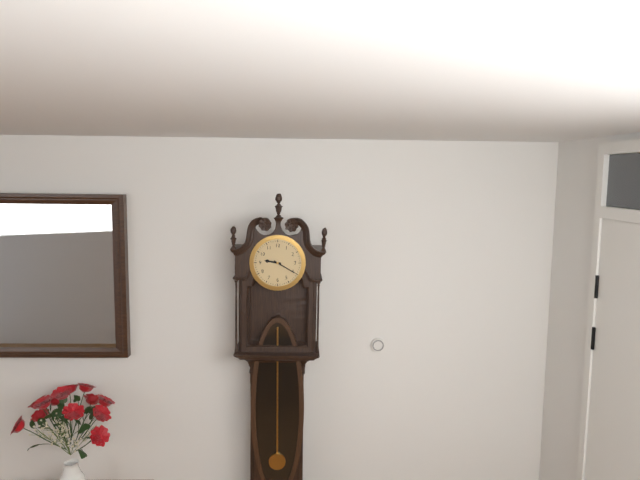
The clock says 9:20
